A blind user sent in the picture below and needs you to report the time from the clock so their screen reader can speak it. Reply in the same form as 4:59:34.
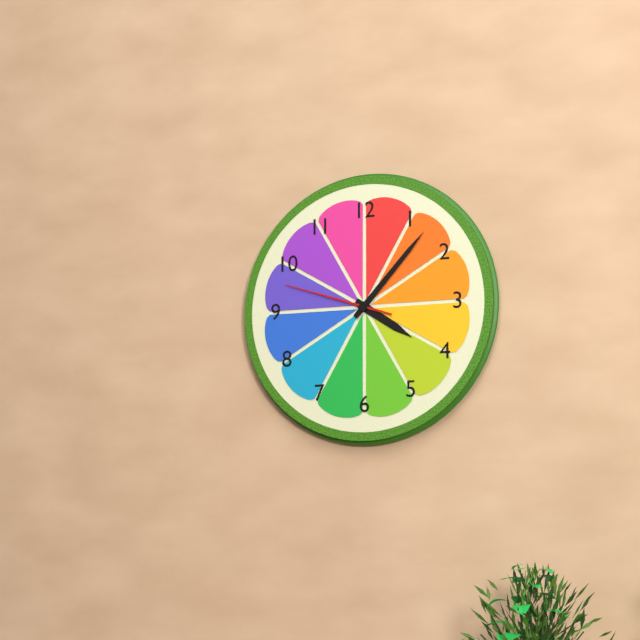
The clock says 4:07:48
